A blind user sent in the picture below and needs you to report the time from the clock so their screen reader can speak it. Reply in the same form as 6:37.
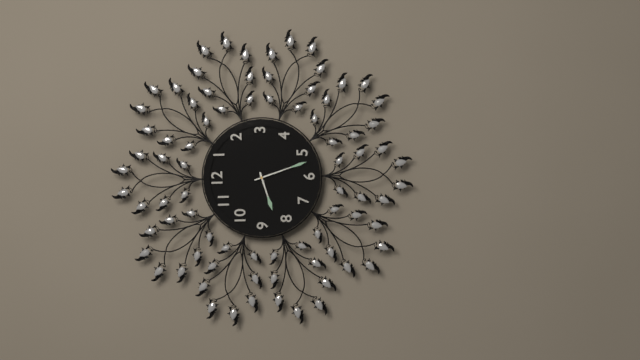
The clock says 8:27
